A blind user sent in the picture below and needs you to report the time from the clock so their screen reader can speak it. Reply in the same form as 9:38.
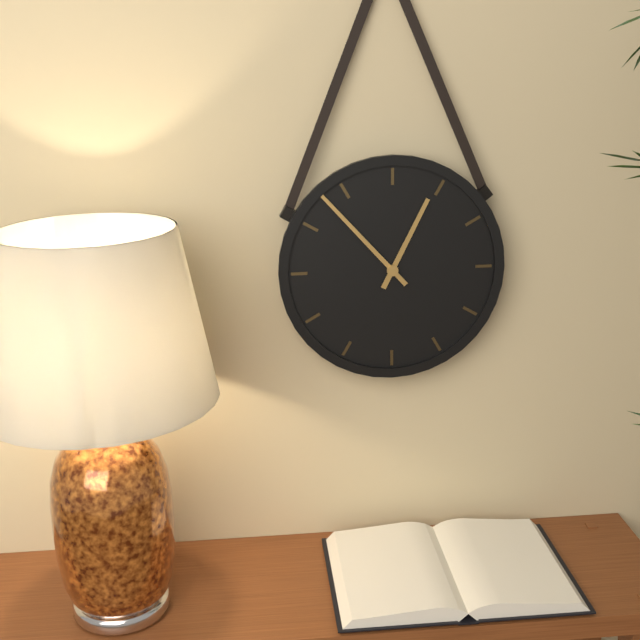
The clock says 12:53
